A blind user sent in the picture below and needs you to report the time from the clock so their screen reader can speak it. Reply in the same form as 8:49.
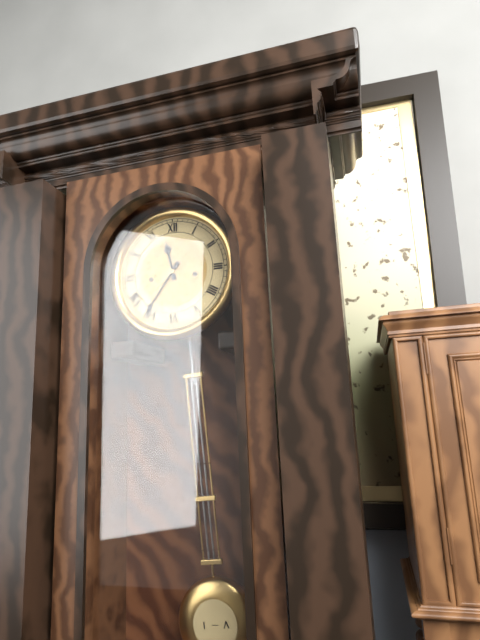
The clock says 11:36
